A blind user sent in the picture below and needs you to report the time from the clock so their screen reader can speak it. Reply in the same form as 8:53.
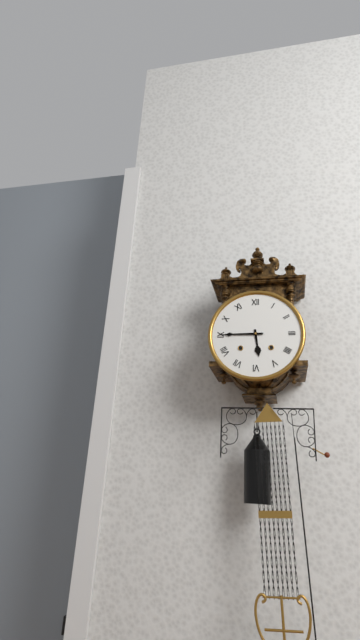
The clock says 5:45
